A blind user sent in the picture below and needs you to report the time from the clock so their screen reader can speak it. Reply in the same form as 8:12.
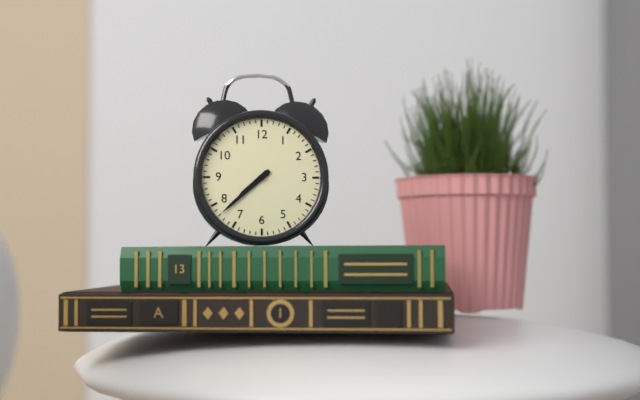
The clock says 7:38
